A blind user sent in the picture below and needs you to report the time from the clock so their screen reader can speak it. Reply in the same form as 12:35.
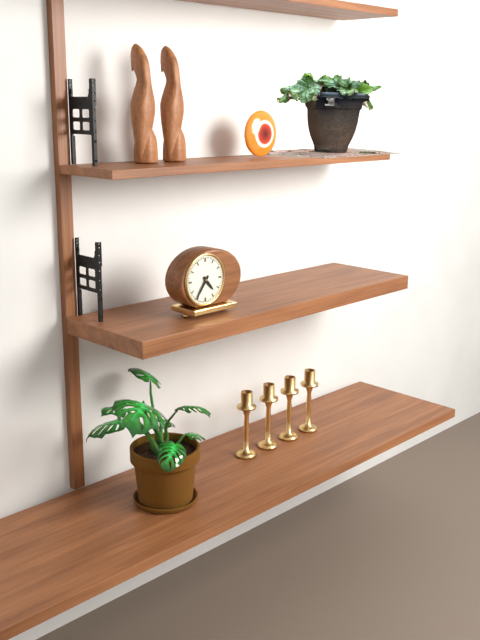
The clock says 4:36
